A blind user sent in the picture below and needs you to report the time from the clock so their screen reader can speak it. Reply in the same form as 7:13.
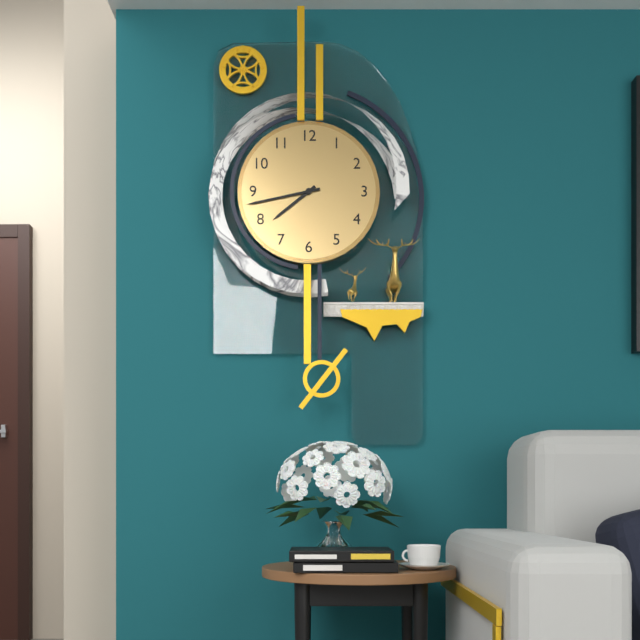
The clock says 7:43
